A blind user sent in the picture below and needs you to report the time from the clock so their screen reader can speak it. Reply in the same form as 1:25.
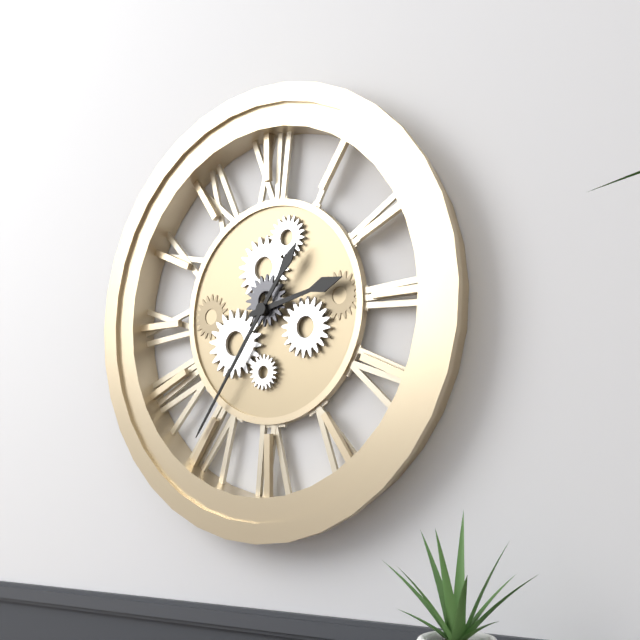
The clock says 2:36
